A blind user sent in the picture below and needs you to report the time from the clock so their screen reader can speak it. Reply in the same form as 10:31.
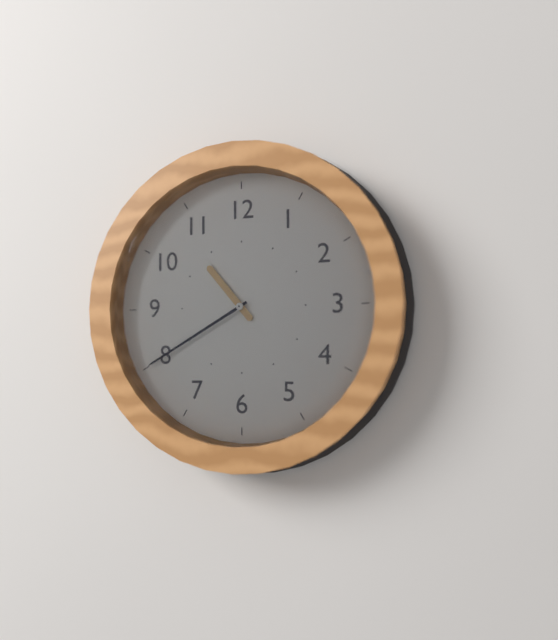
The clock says 10:40
